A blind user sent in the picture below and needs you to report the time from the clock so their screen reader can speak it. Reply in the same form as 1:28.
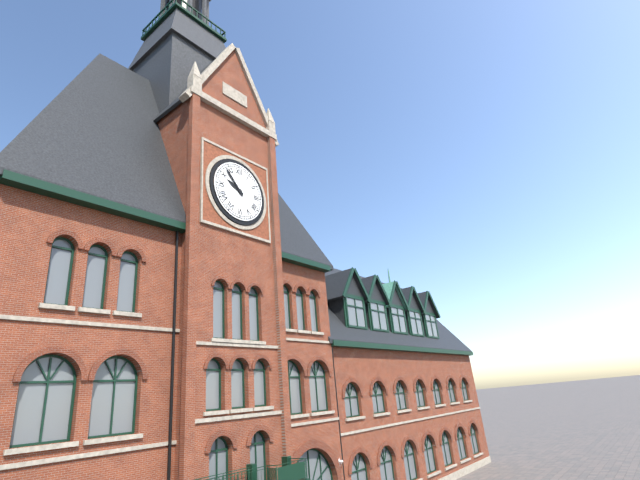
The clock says 9:53
